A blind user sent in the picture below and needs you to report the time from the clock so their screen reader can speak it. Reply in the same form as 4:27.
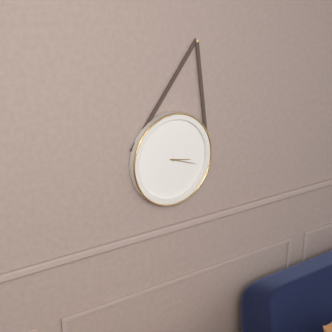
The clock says 3:18
